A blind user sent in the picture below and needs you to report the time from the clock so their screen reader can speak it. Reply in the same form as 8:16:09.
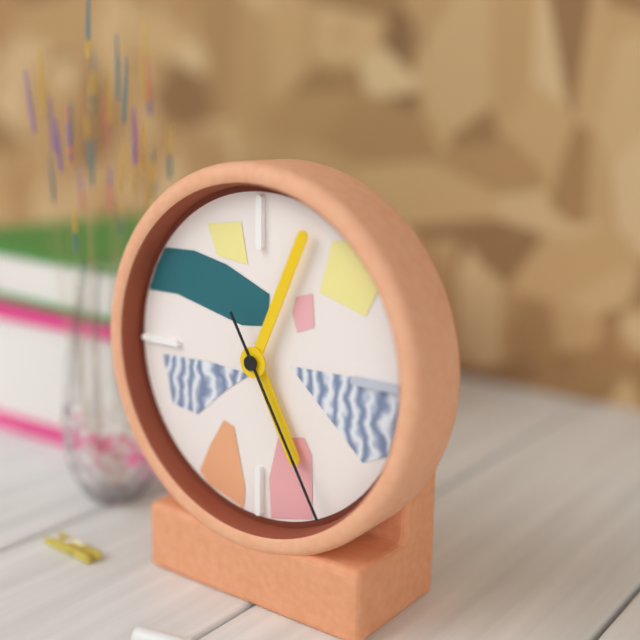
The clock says 5:04:25
